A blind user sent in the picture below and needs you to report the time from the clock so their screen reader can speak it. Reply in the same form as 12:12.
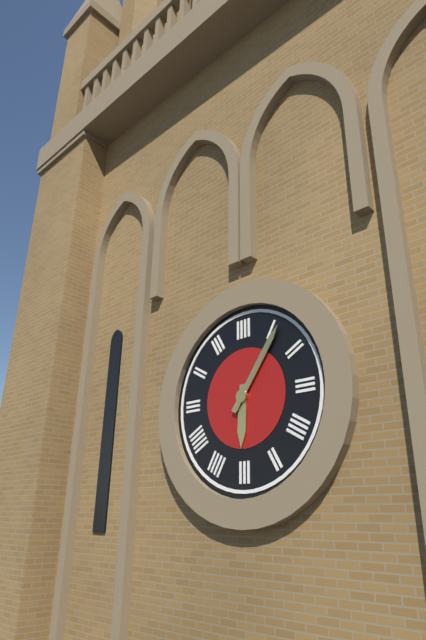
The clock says 6:06
